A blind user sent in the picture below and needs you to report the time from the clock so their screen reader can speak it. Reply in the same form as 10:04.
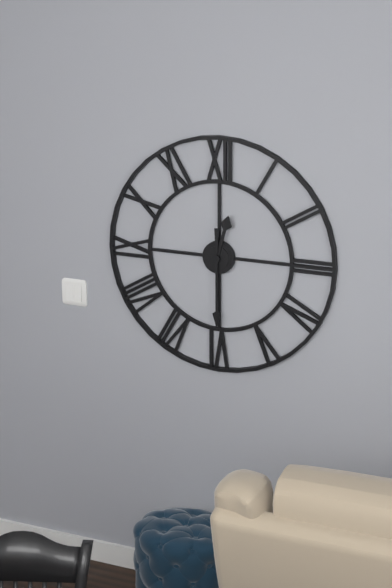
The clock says 12:30
